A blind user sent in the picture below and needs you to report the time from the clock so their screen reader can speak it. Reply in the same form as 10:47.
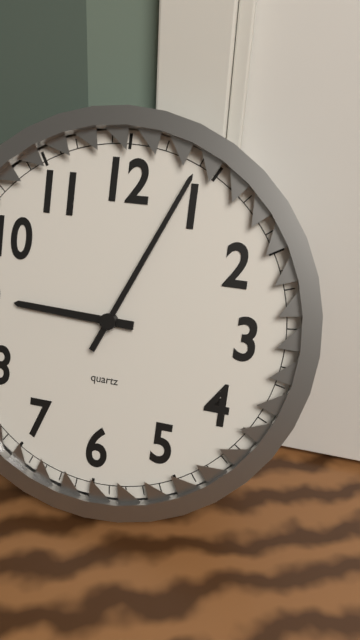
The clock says 9:04
